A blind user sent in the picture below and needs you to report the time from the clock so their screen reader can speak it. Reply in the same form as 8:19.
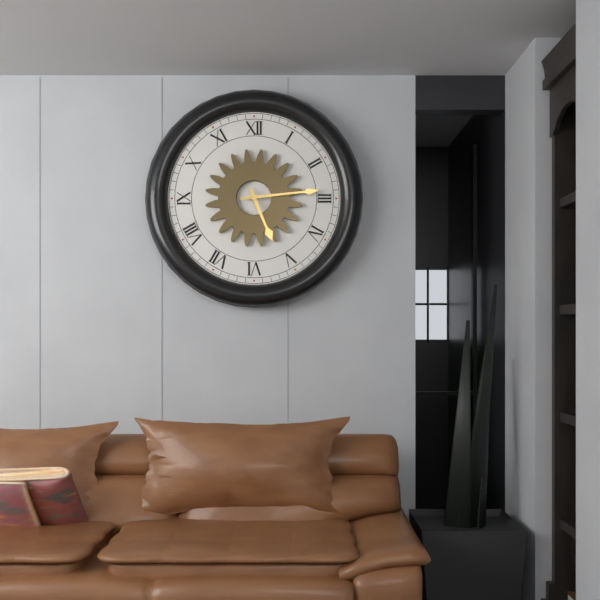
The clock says 5:14
